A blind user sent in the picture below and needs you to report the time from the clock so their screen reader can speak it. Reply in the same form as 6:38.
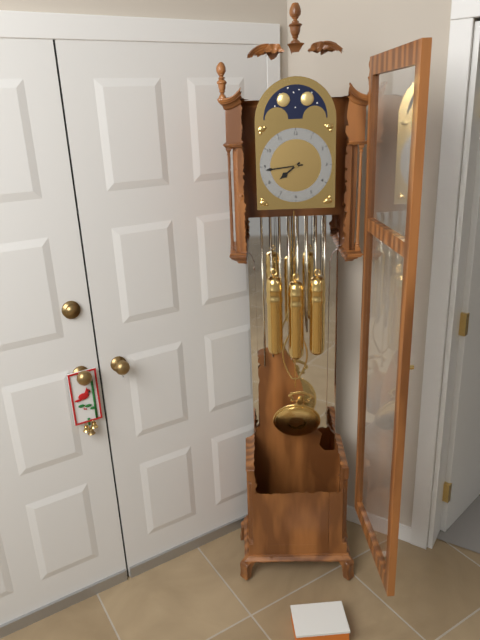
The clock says 7:44
